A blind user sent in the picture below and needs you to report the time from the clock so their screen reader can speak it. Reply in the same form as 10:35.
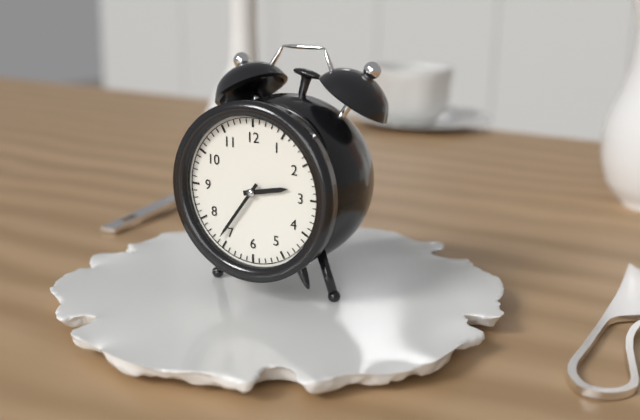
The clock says 2:36
